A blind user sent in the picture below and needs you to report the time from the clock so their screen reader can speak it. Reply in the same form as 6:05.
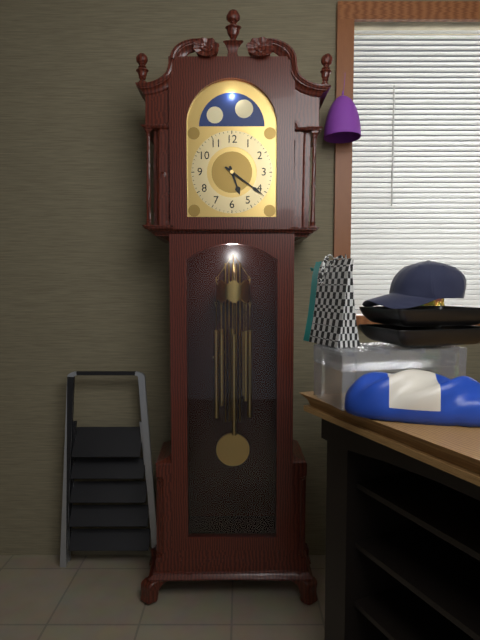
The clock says 5:21
